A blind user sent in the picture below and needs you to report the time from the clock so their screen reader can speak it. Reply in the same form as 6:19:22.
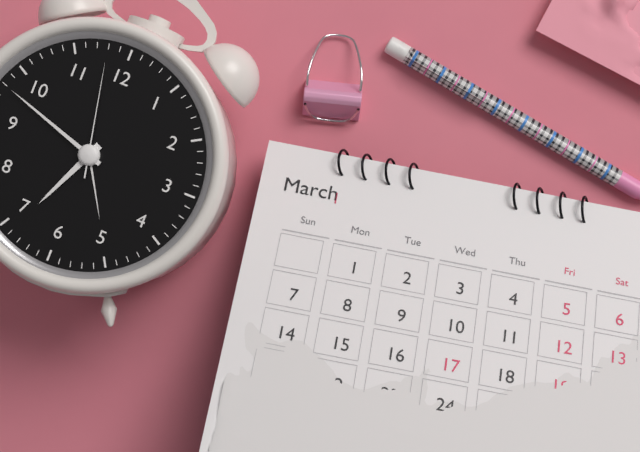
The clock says 6:48:58
